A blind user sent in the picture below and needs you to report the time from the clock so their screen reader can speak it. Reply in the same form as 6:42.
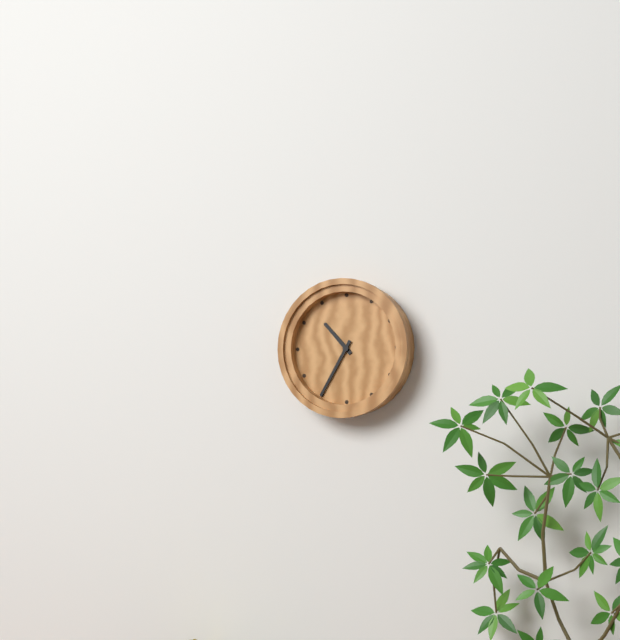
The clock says 10:35
